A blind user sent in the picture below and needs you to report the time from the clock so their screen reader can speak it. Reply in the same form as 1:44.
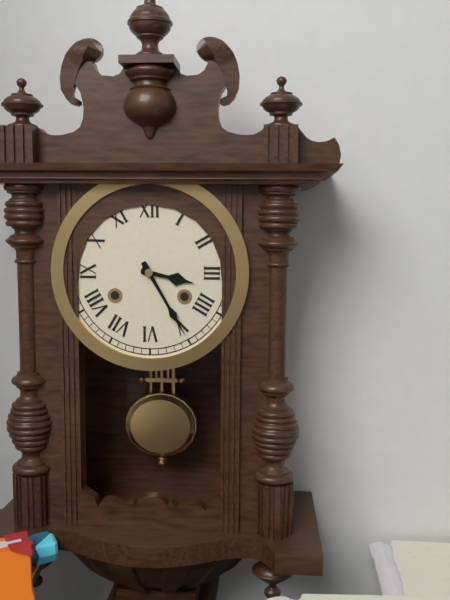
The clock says 3:25
